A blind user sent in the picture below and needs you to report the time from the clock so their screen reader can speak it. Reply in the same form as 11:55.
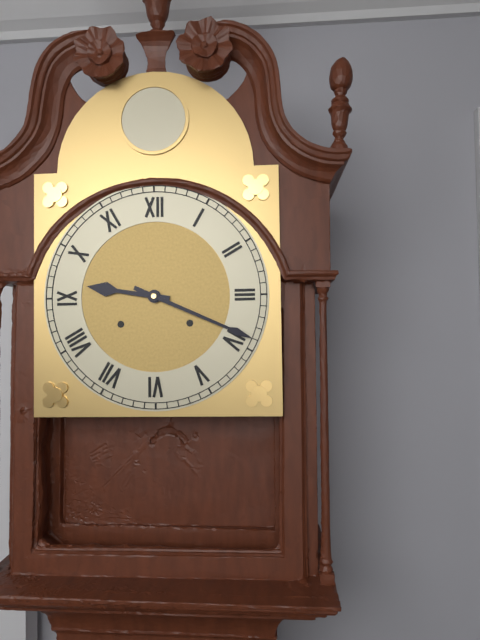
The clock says 9:19
